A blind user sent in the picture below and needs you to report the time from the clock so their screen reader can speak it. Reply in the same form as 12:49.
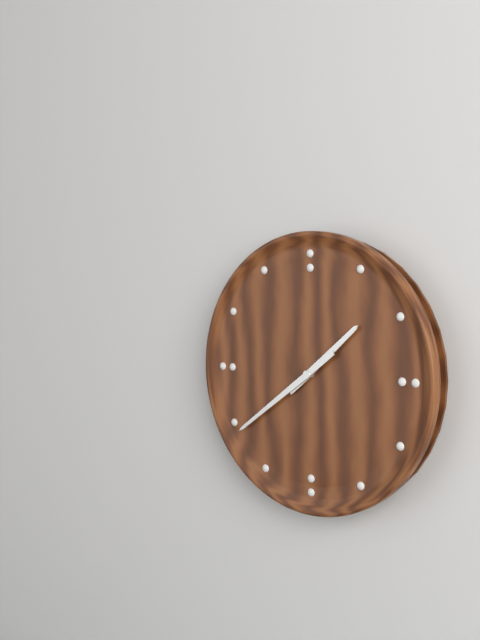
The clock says 1:39
